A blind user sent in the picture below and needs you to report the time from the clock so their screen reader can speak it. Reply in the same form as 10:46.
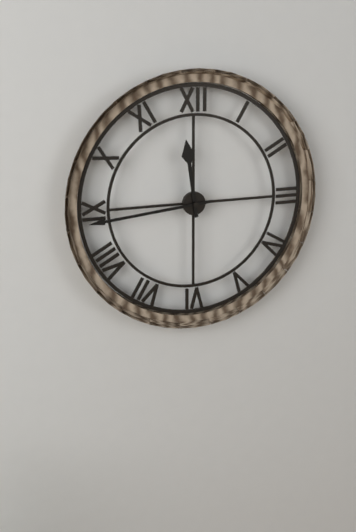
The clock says 11:44
